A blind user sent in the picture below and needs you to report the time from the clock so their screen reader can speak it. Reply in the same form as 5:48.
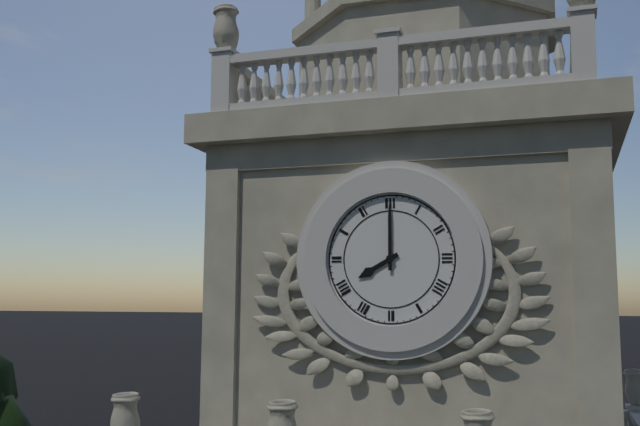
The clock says 8:00
